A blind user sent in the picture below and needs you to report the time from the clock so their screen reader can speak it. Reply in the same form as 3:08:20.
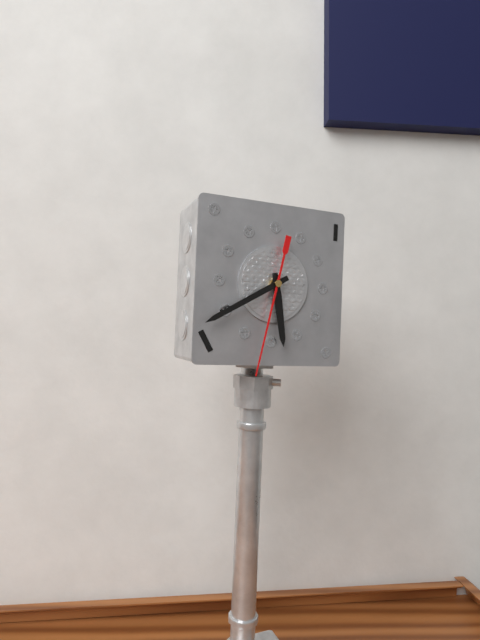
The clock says 5:40:32
